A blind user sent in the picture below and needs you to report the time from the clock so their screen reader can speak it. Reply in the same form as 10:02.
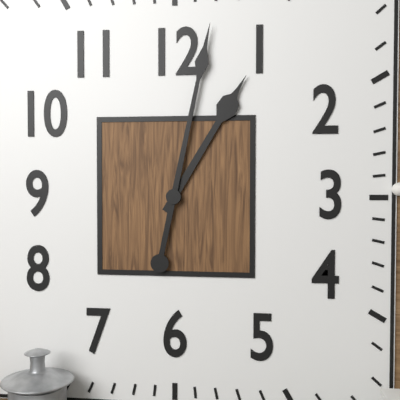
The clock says 1:02
